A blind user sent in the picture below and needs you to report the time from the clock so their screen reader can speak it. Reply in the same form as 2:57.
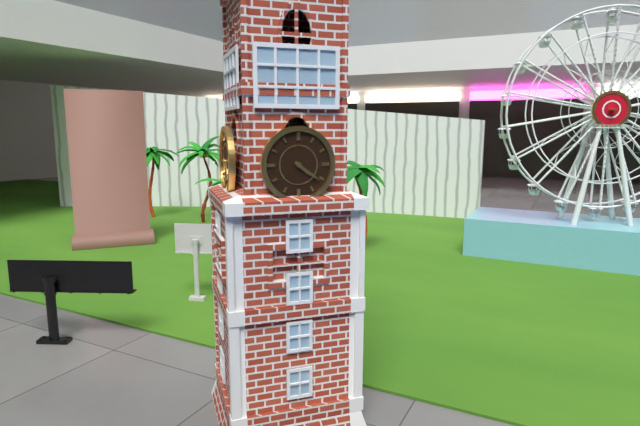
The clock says 4:21
